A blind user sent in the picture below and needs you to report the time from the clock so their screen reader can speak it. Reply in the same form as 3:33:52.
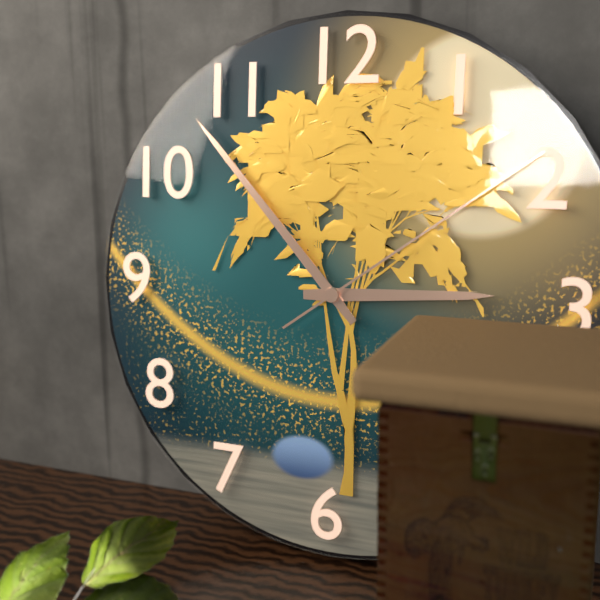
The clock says 2:53:09
